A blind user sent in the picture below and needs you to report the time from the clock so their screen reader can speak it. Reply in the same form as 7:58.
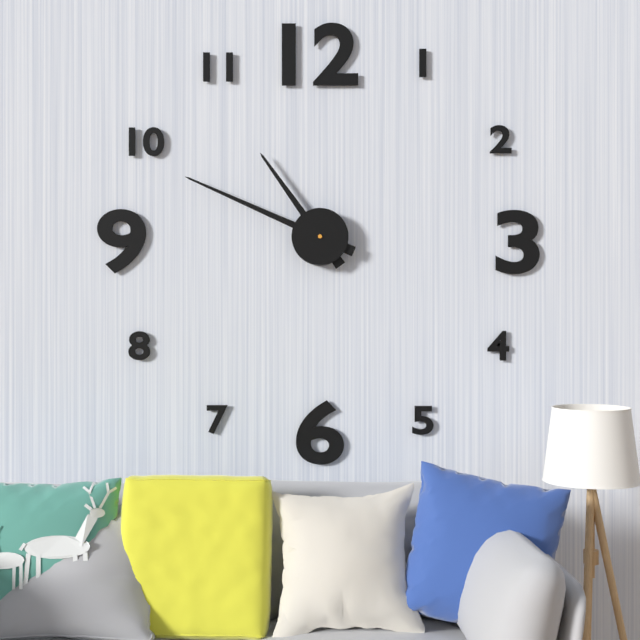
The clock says 10:49
